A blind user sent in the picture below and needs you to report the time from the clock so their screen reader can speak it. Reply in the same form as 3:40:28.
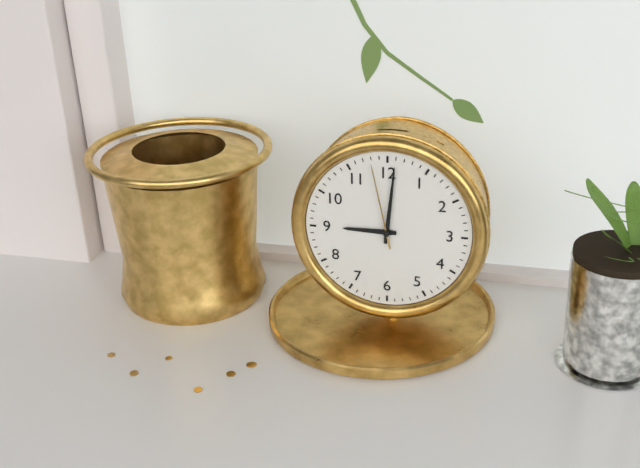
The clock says 9:01:58
